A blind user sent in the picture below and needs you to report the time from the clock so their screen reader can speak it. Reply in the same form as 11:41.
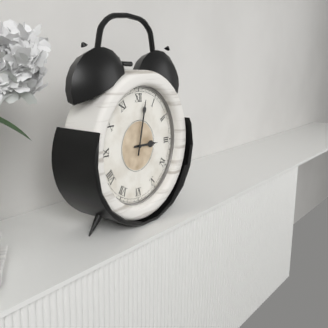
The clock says 3:02
